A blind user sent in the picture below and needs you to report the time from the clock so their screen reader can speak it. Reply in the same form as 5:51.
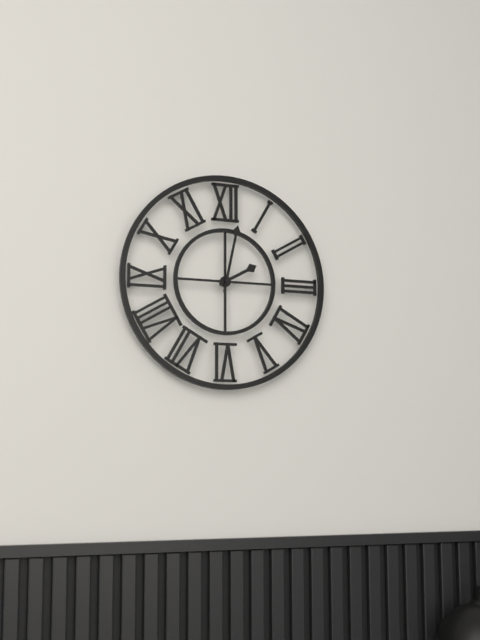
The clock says 2:02
